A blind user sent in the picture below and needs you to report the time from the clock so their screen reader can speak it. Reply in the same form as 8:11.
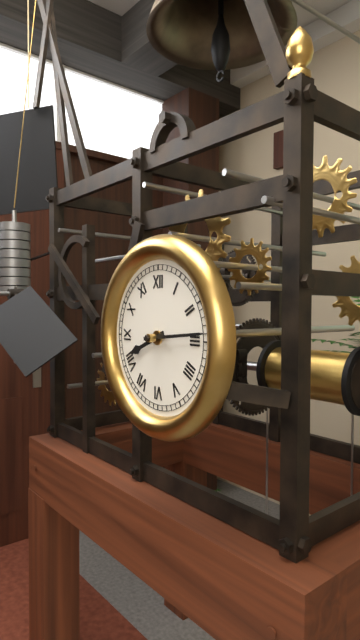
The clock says 8:14
